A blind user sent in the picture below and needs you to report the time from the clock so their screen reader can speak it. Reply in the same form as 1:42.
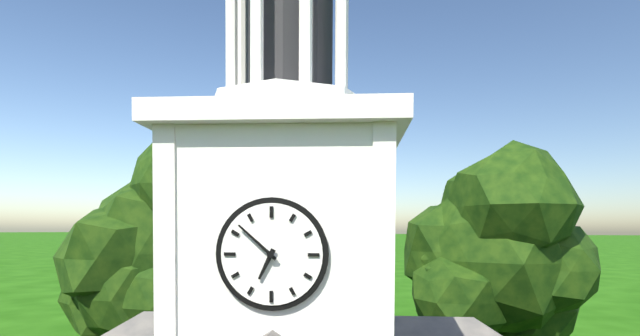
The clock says 6:52
